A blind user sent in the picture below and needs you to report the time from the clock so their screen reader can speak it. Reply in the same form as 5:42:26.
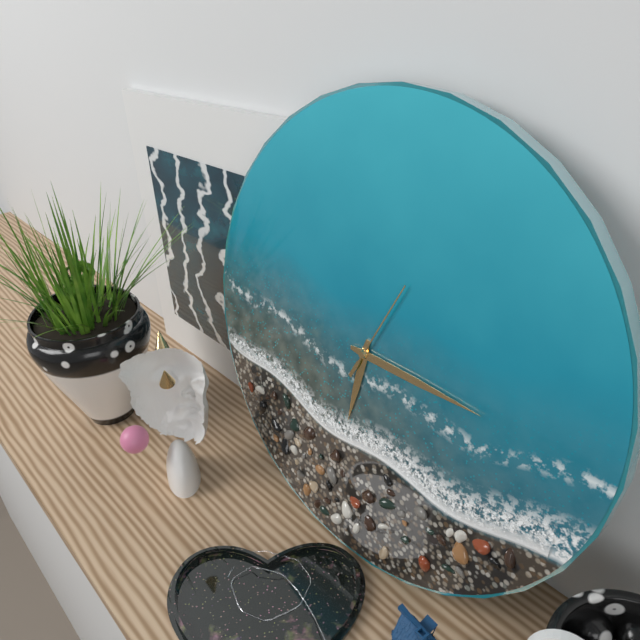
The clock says 6:15:04
